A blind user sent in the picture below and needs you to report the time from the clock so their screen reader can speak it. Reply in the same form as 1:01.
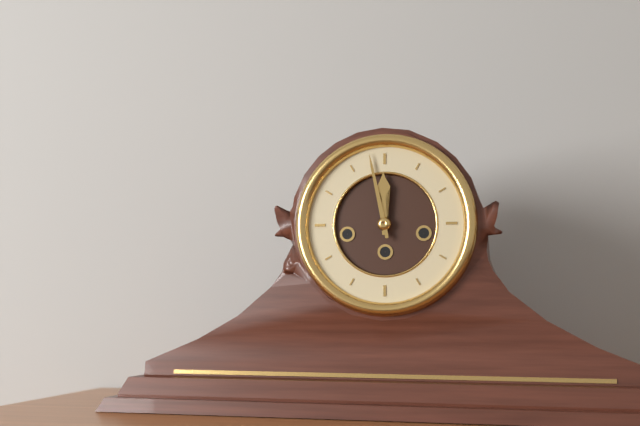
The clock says 11:58
